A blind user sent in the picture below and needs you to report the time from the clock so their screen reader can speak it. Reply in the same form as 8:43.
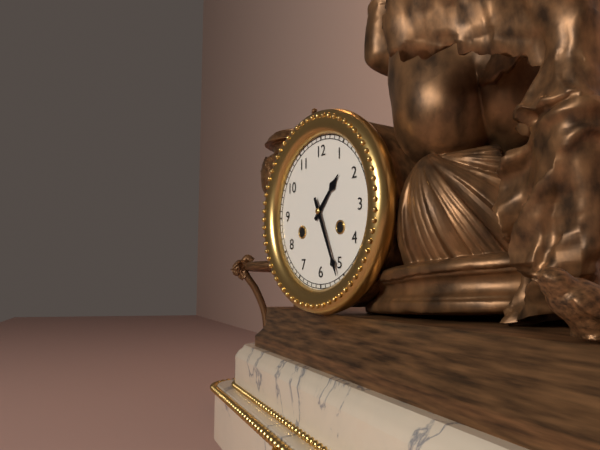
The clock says 1:26
